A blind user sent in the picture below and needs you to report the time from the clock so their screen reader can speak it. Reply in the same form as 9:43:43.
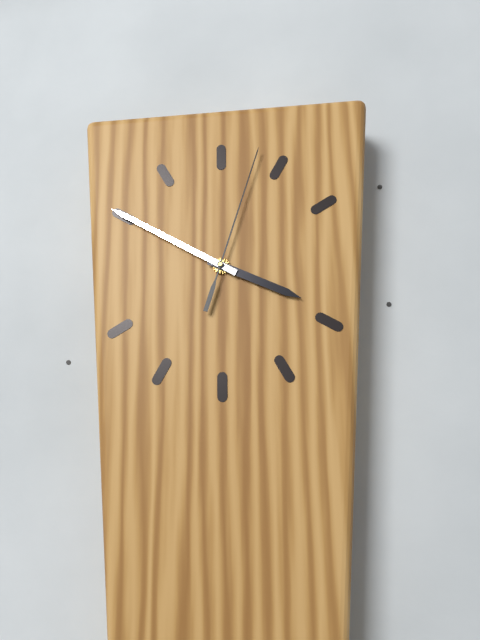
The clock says 3:50:03
